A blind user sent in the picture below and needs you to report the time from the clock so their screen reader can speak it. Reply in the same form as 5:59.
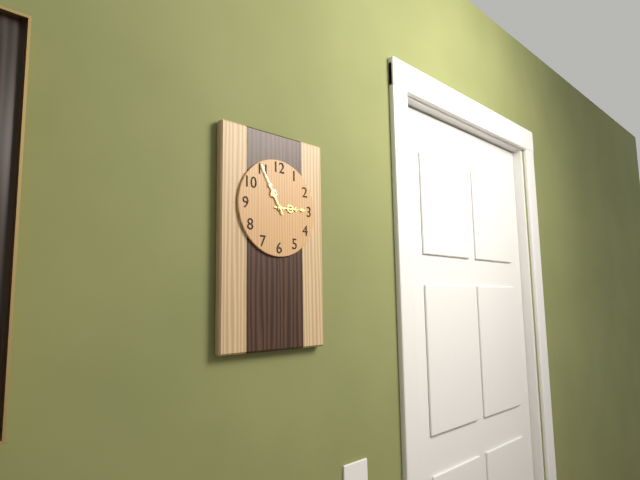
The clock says 2:55
